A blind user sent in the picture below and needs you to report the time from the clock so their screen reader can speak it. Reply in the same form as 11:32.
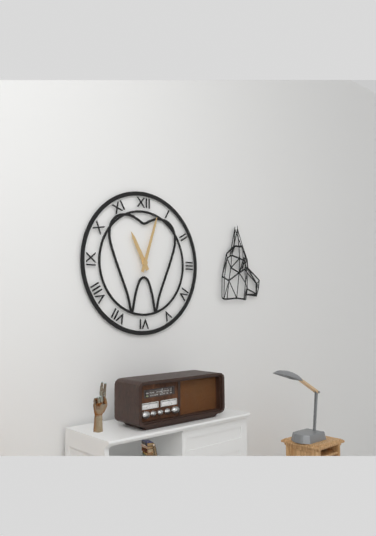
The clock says 11:03
